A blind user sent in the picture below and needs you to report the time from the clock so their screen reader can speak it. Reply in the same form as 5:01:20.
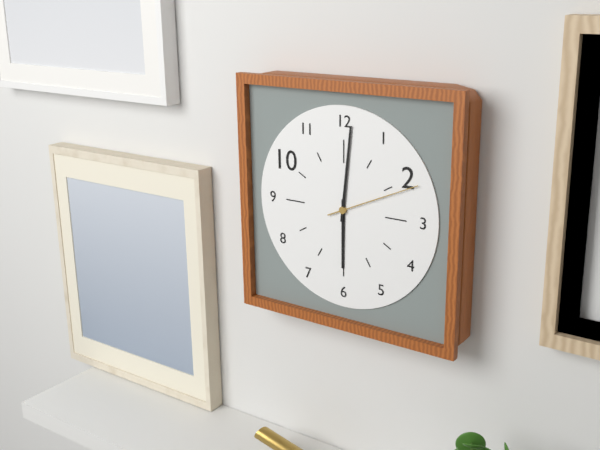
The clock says 6:01:11
